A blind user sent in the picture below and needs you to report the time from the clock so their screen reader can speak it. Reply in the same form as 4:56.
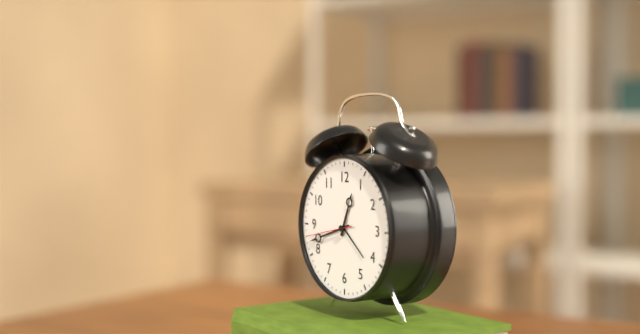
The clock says 12:42
